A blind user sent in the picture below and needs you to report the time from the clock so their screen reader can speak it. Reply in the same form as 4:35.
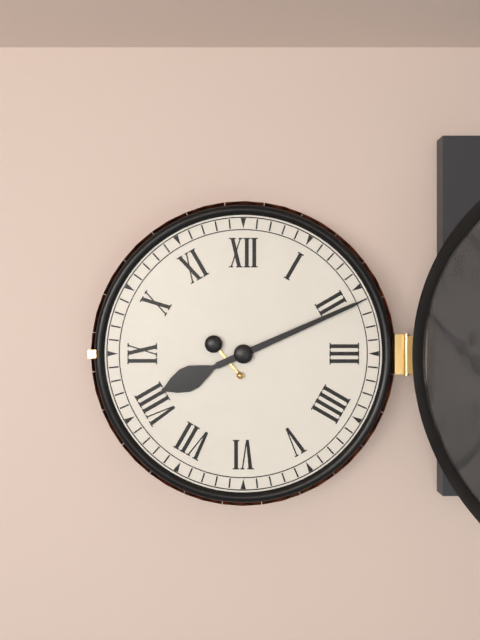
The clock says 8:11
